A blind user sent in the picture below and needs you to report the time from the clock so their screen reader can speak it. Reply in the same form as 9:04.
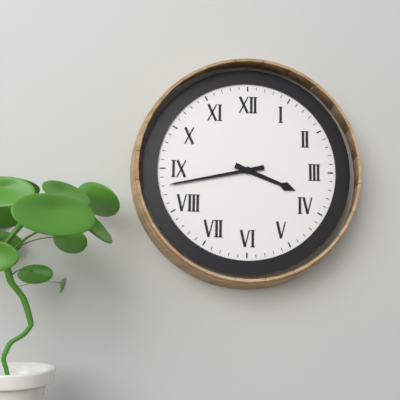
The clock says 3:43
